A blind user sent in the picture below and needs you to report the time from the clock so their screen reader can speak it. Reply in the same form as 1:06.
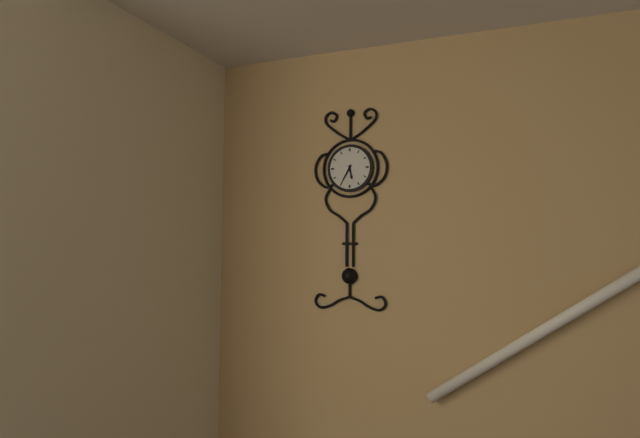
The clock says 5:35
